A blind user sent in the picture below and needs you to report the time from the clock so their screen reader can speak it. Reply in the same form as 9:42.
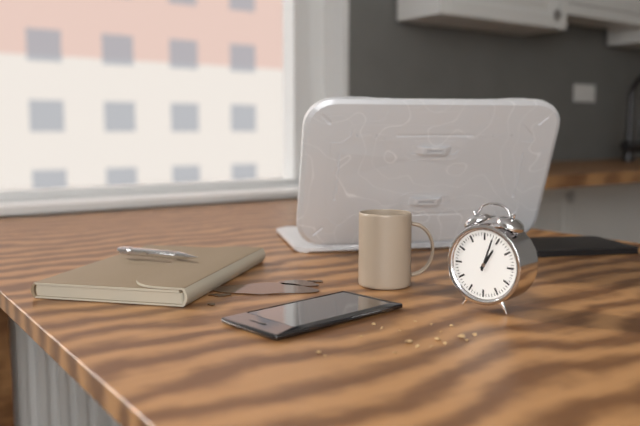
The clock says 1:03
